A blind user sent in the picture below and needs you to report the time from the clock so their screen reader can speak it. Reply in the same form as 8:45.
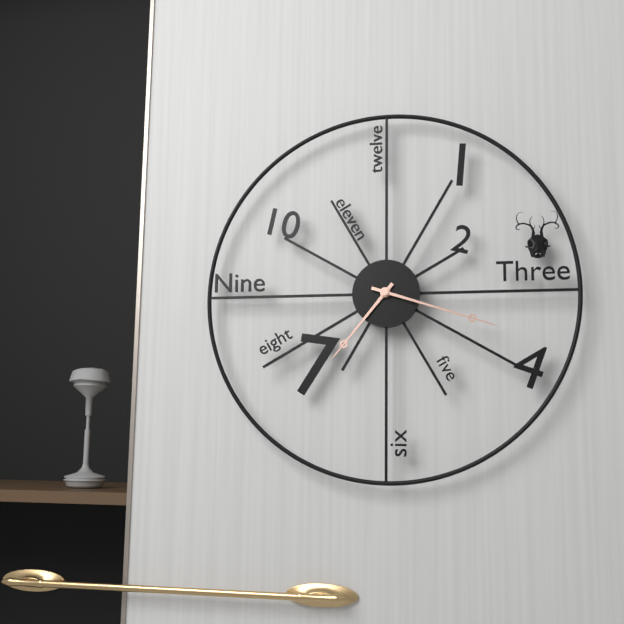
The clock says 7:18
